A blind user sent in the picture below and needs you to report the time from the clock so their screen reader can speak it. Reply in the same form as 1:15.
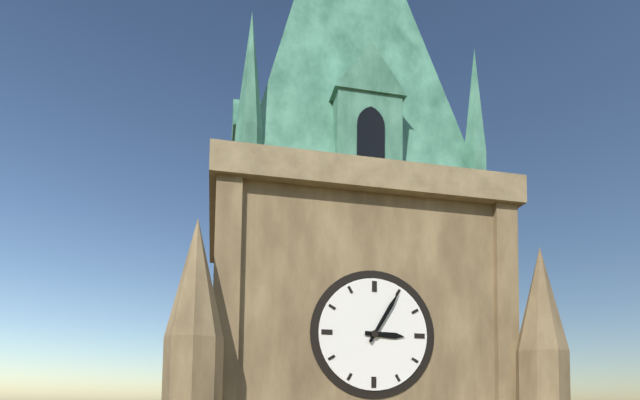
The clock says 3:05
